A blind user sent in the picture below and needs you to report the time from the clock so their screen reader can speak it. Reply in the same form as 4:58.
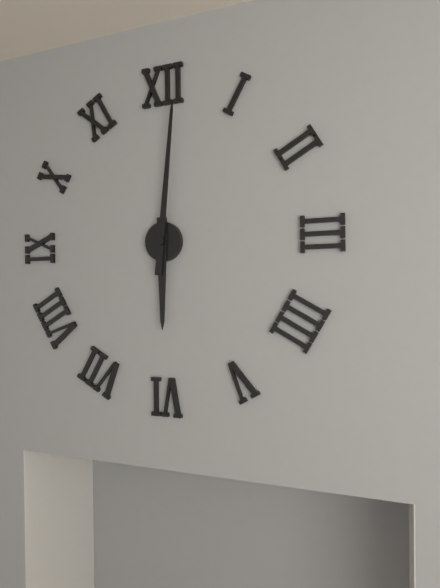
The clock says 6:01
